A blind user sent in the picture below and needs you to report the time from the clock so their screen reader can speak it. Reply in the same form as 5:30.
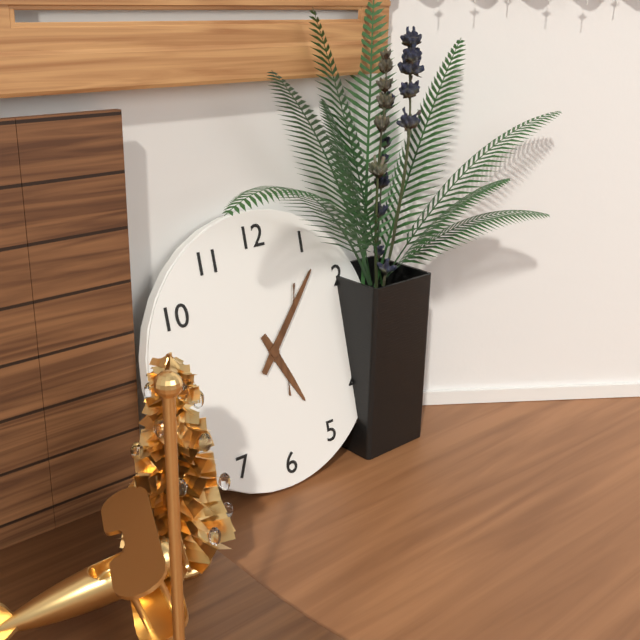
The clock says 5:07
